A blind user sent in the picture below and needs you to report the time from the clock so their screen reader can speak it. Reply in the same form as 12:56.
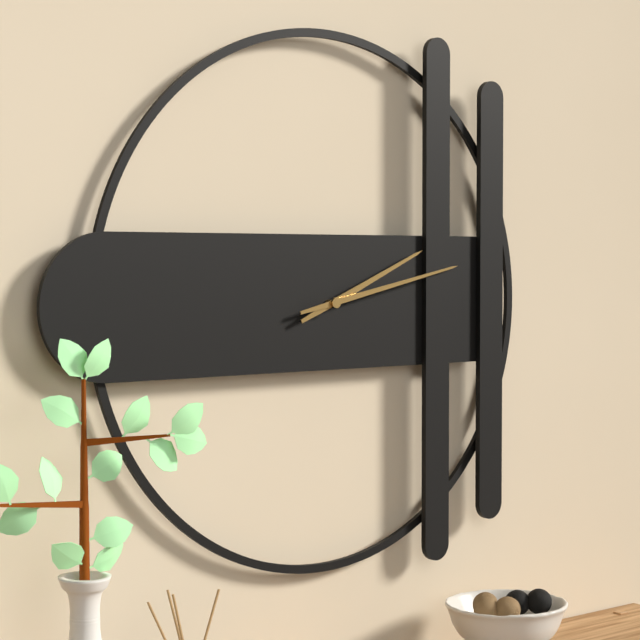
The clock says 2:13
